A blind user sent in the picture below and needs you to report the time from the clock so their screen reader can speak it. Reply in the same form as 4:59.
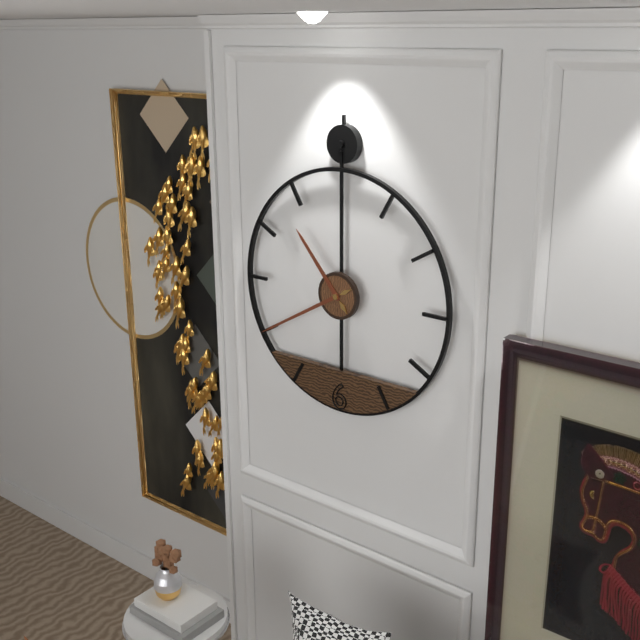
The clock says 10:40
